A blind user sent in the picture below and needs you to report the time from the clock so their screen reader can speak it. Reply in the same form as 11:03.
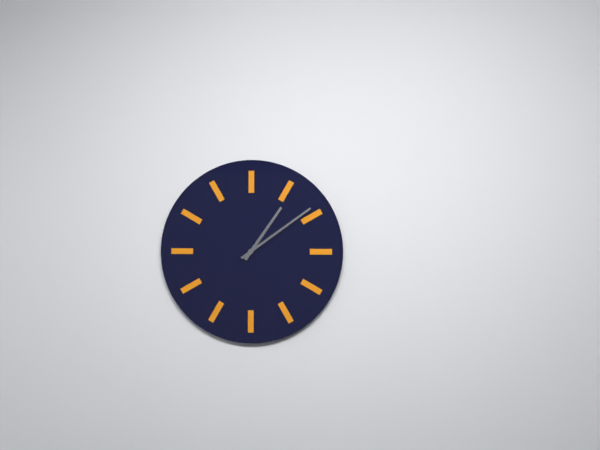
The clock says 1:09
